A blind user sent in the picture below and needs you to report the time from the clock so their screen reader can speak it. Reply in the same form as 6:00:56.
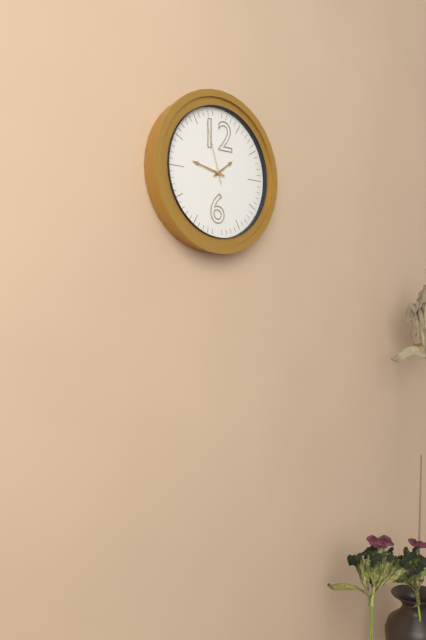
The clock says 1:47:57
